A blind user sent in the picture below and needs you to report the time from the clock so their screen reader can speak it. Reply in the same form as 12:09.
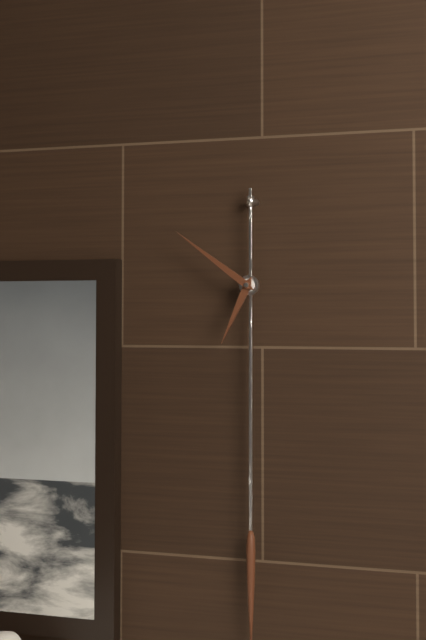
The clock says 6:51
